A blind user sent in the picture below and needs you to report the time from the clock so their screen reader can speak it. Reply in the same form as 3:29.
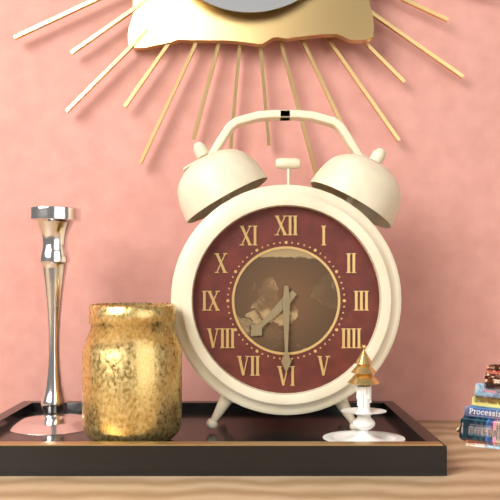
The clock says 7:30
